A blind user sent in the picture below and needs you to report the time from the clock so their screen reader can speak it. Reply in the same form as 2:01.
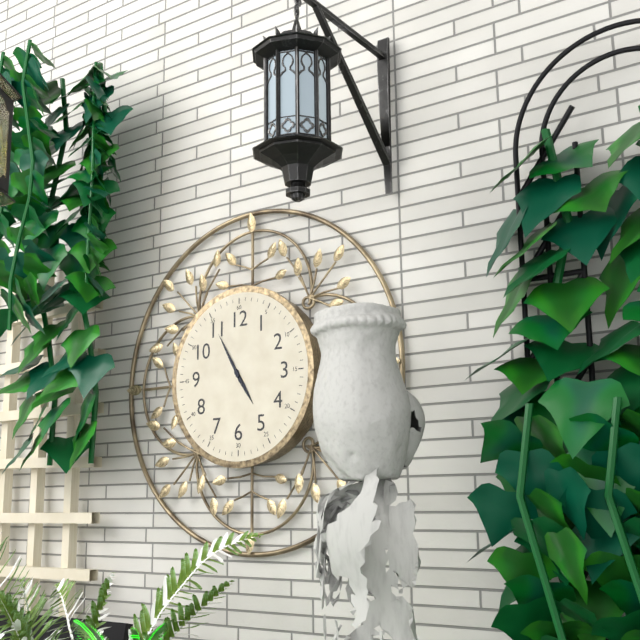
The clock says 4:55
